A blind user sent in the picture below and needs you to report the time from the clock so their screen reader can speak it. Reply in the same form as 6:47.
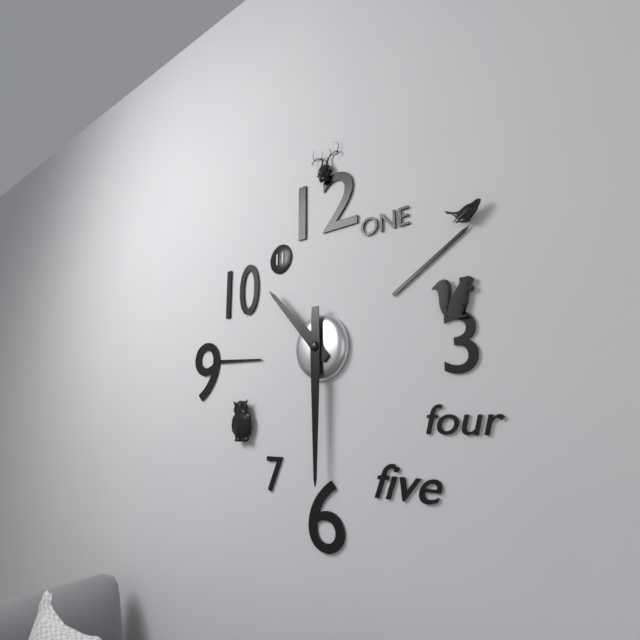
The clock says 10:30
